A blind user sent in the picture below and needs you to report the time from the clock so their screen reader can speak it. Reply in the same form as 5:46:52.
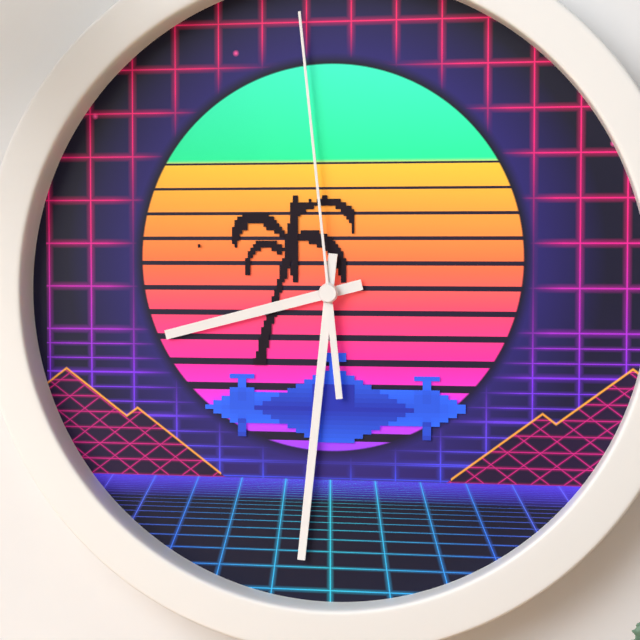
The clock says 8:31:59
